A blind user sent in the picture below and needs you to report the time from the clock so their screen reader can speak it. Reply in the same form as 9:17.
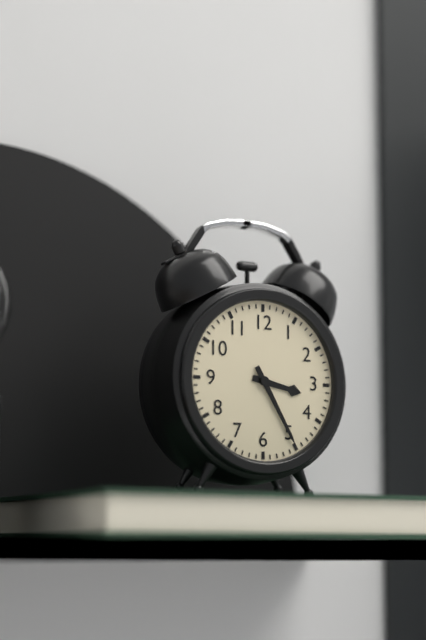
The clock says 3:25
